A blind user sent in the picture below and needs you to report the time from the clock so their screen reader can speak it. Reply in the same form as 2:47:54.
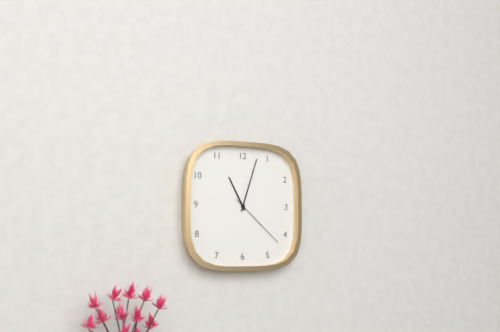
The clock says 11:03:22
